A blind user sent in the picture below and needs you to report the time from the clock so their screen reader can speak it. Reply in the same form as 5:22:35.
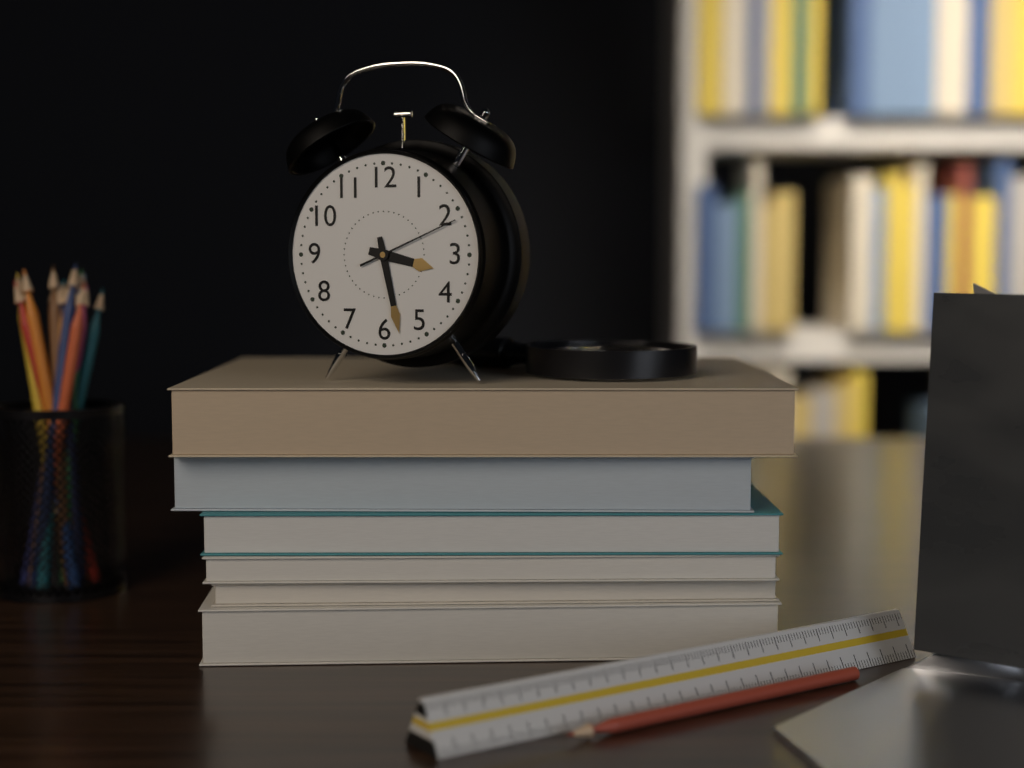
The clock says 3:28:11
